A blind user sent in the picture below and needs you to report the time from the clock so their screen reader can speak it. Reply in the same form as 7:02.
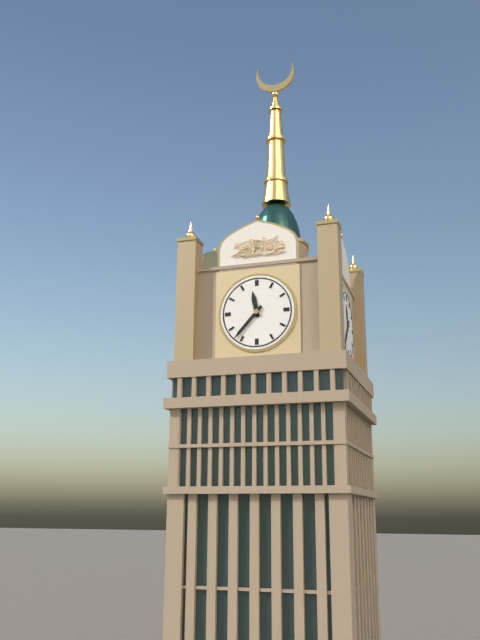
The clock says 11:37
